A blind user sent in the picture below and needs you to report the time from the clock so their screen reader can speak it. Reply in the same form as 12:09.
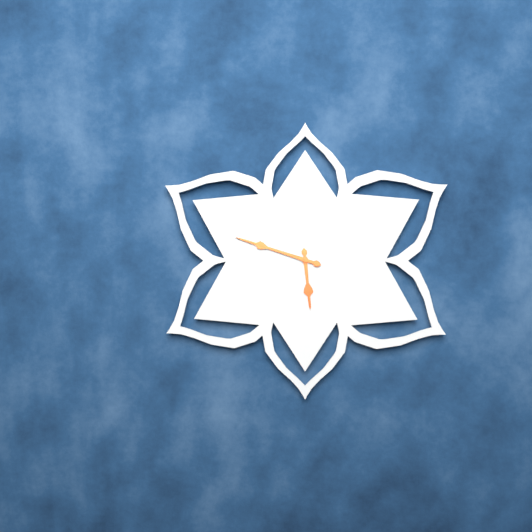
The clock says 5:48
